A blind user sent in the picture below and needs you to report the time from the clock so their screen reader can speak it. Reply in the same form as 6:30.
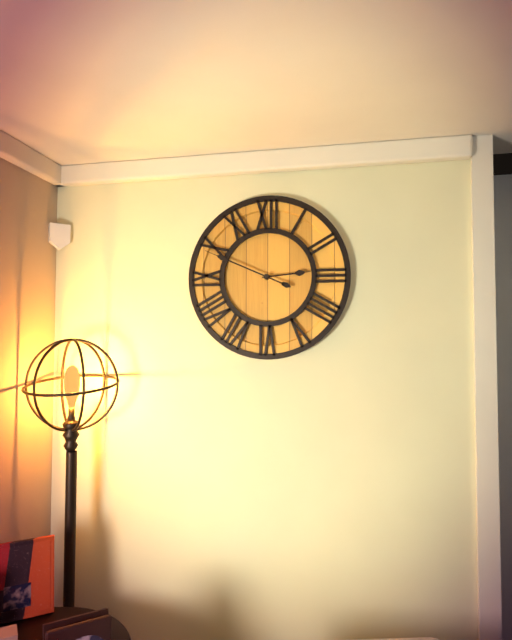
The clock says 2:49
